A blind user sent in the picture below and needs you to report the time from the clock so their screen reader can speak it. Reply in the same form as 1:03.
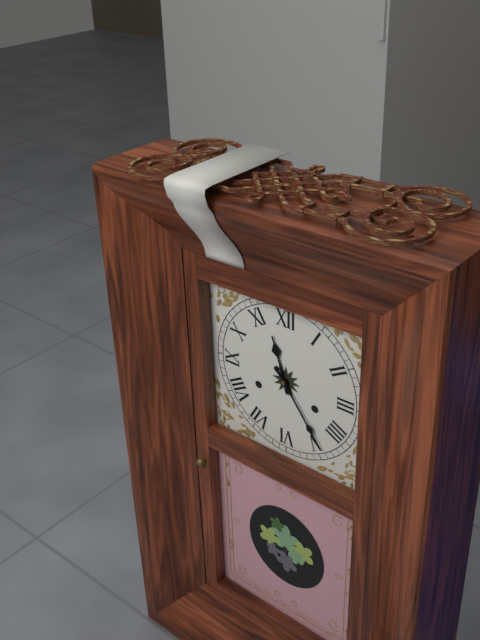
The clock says 11:24
